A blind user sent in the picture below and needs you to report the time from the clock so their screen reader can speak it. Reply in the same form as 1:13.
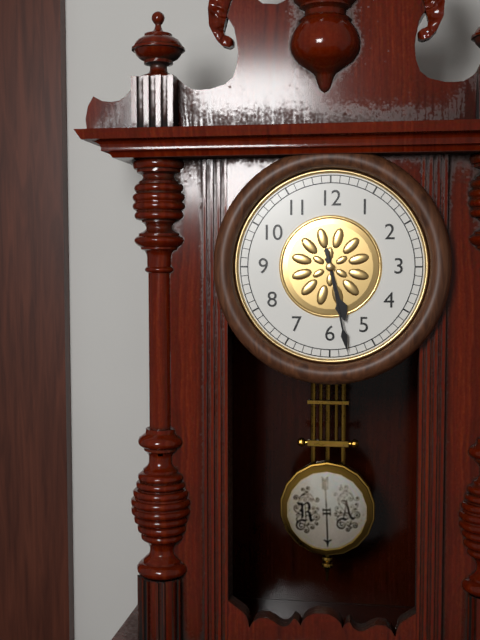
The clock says 5:28
